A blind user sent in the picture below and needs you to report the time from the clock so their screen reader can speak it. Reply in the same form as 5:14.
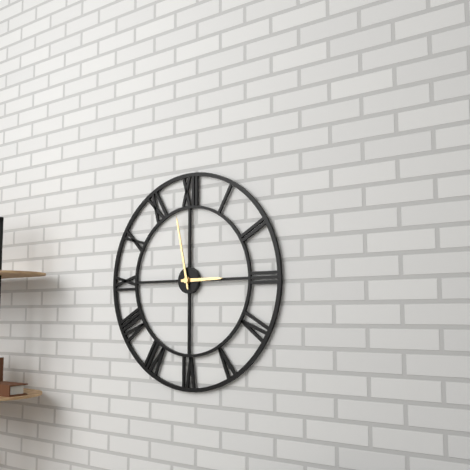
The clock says 2:58
